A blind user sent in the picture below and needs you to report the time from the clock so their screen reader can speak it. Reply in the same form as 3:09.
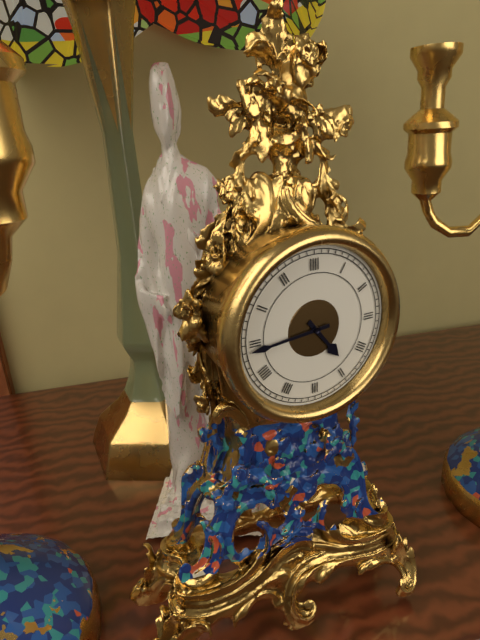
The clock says 4:44
